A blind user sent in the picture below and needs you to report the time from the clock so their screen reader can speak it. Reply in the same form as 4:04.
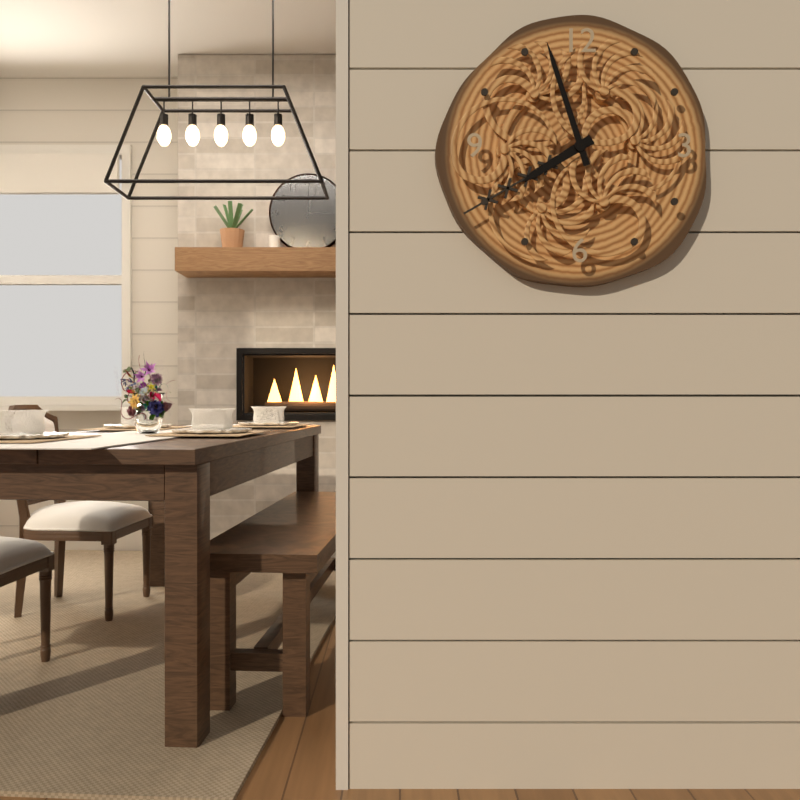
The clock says 7:57
